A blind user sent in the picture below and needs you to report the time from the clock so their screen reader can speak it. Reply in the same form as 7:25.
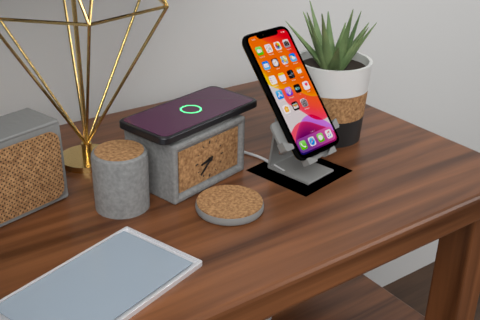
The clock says 8:38
